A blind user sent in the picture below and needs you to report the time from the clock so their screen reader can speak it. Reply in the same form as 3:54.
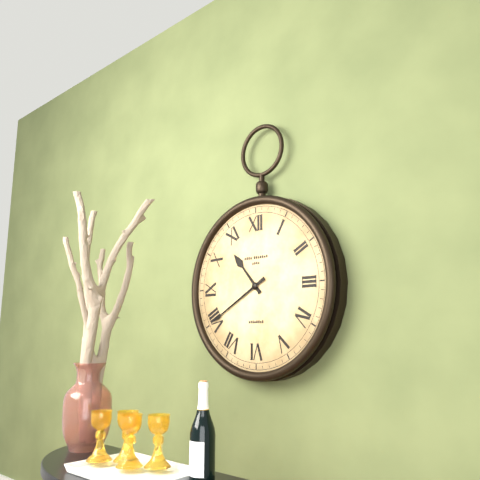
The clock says 10:40
